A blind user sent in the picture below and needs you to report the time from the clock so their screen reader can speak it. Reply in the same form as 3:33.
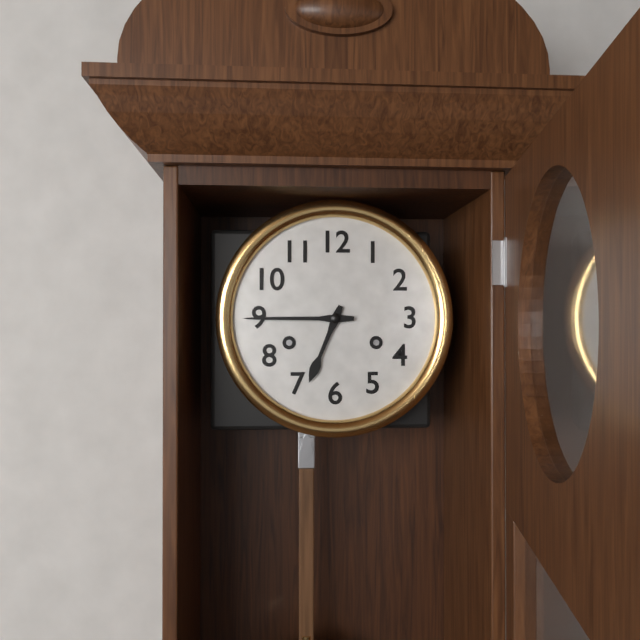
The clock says 6:45
